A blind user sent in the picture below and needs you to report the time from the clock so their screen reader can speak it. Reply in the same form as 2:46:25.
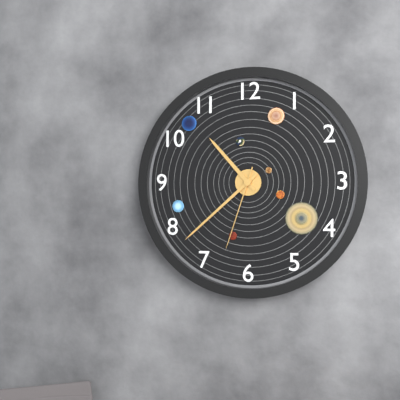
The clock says 10:38:33
